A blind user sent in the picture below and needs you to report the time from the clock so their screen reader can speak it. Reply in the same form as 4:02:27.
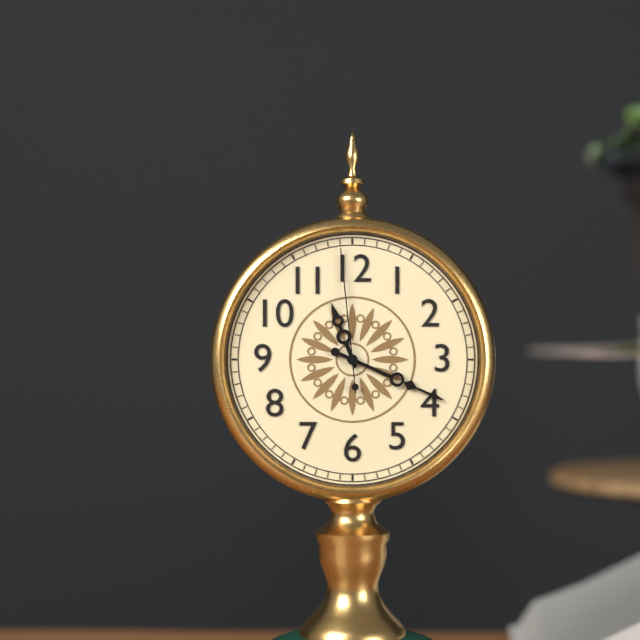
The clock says 11:19:59
